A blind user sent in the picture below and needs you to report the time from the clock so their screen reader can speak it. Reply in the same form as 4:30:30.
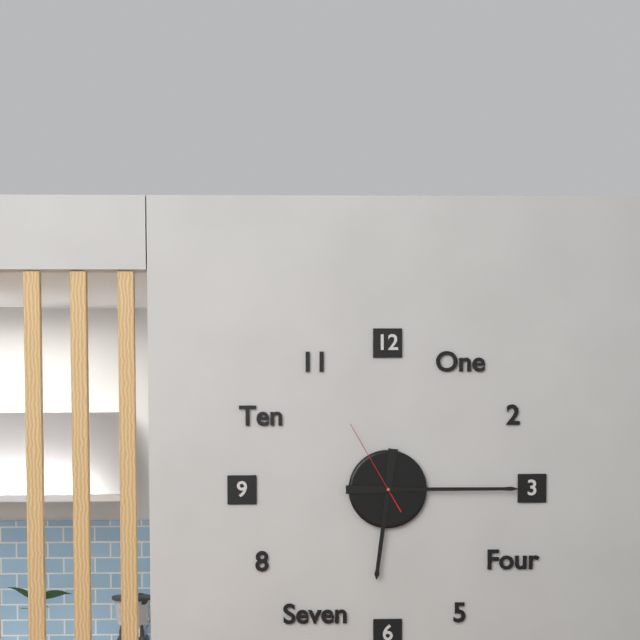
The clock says 6:15:55
